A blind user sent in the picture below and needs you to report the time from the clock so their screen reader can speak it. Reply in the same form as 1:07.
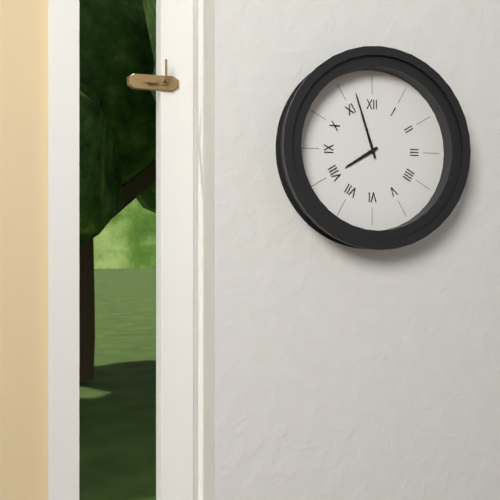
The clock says 7:57
